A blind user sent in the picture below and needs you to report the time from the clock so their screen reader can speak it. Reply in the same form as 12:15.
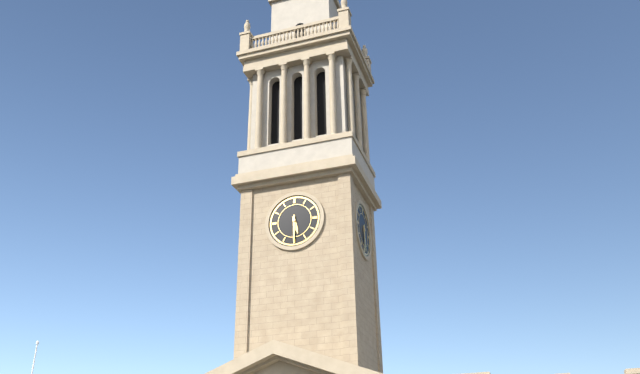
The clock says 5:30
